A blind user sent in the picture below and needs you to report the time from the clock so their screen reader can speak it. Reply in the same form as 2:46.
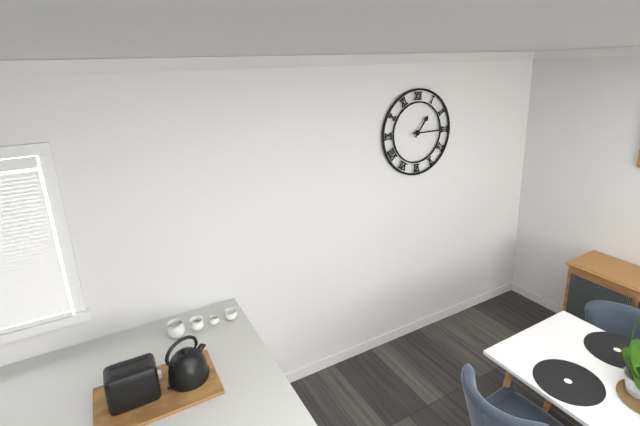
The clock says 1:15
